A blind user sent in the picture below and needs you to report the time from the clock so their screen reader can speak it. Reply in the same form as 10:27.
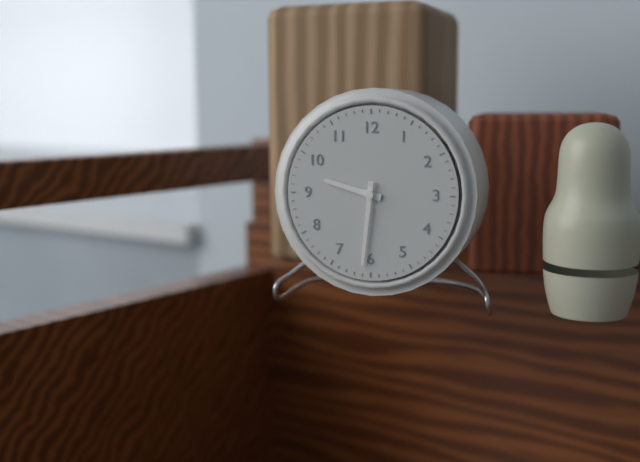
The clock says 9:31
